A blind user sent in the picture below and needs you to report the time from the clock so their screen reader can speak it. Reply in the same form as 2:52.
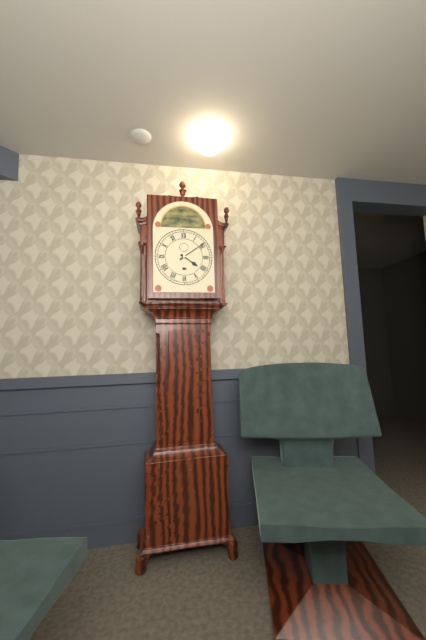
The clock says 4:09
